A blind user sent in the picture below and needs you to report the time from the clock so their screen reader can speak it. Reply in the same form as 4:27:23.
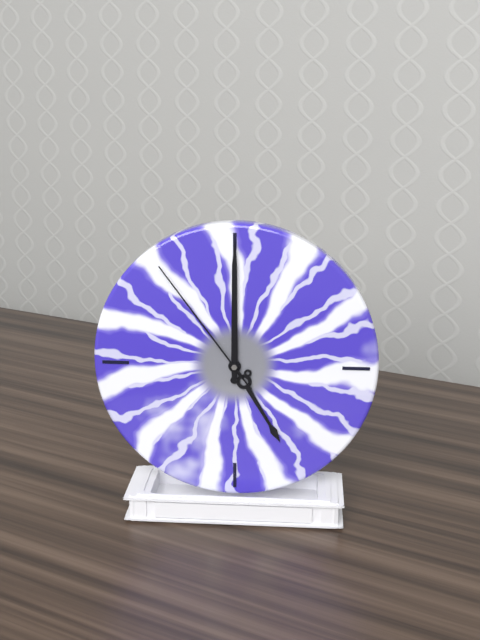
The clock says 5:00:54
